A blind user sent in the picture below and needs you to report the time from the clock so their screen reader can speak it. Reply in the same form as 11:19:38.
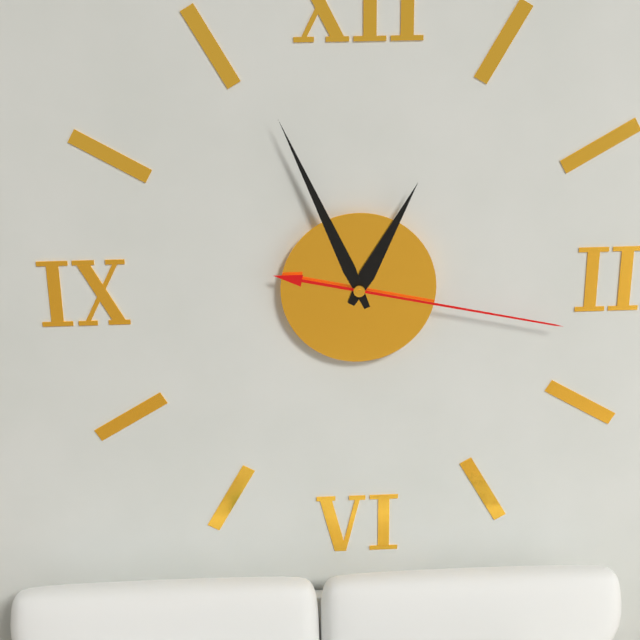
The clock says 12:56:17
